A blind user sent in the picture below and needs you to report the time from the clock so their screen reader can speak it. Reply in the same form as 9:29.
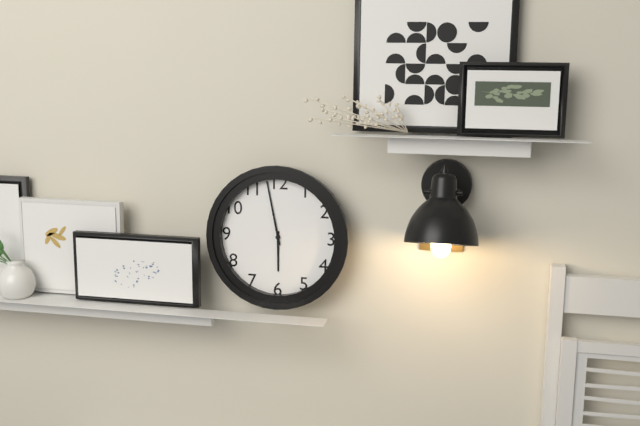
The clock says 5:58
